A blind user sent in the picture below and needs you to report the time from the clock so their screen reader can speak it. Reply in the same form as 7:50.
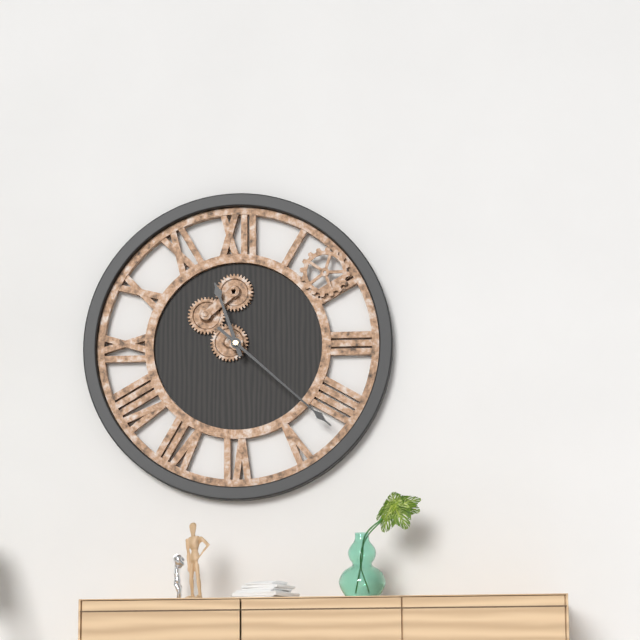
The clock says 11:22
